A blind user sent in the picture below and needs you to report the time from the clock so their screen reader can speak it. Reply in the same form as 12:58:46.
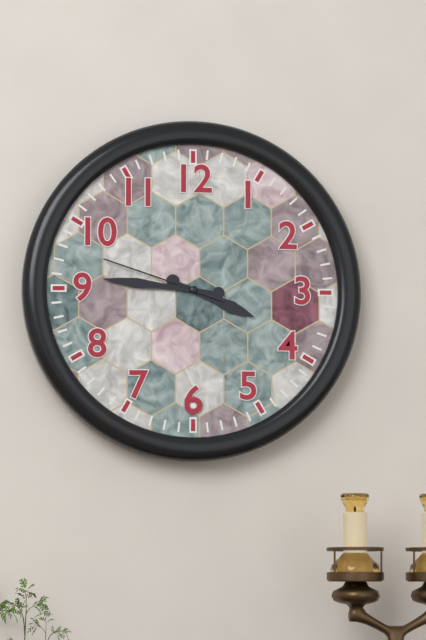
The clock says 3:46:48
